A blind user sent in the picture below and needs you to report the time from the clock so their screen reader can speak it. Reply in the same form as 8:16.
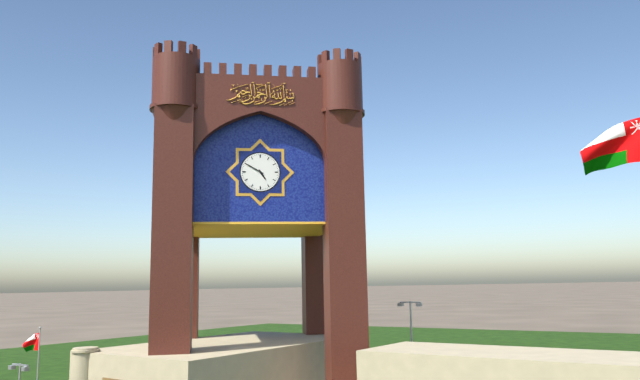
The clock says 4:50
